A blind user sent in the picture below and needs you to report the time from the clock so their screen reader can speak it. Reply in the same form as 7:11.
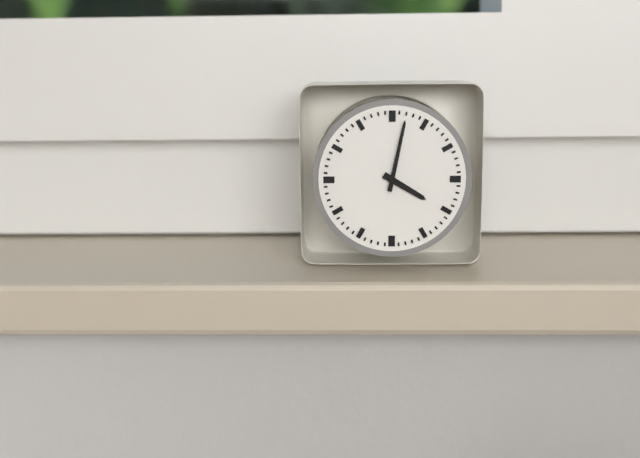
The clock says 4:02
